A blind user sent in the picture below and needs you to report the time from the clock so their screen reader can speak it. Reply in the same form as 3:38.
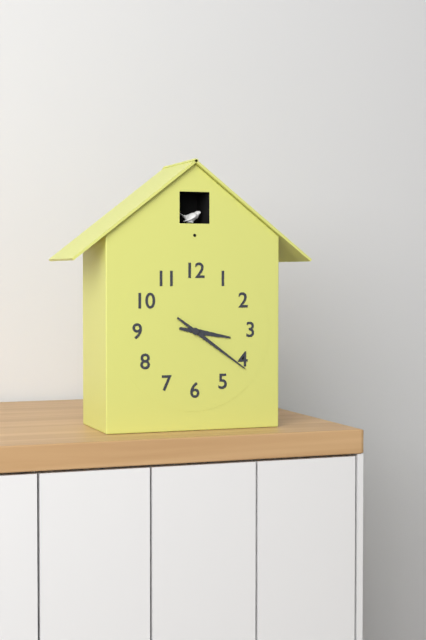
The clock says 3:21
